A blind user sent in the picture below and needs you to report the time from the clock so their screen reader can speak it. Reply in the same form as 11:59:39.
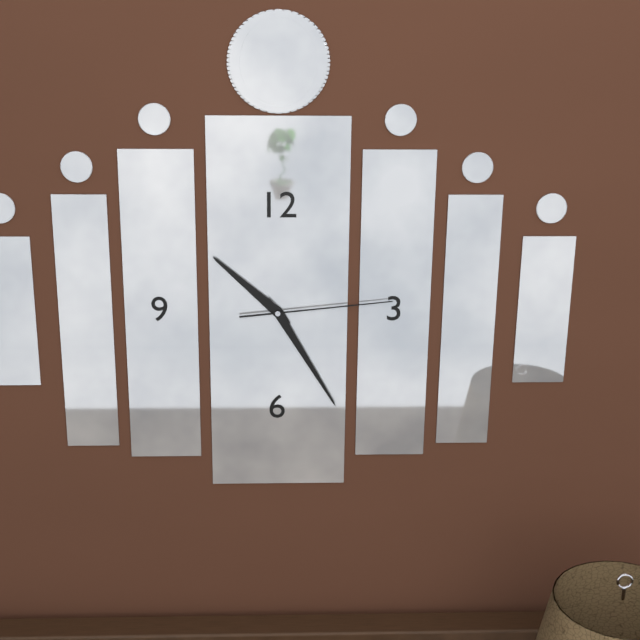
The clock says 10:25:14
